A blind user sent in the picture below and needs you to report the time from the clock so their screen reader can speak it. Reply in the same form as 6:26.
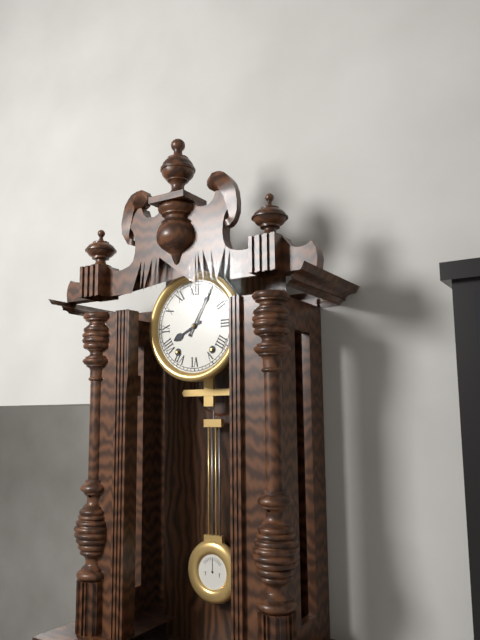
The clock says 8:05
